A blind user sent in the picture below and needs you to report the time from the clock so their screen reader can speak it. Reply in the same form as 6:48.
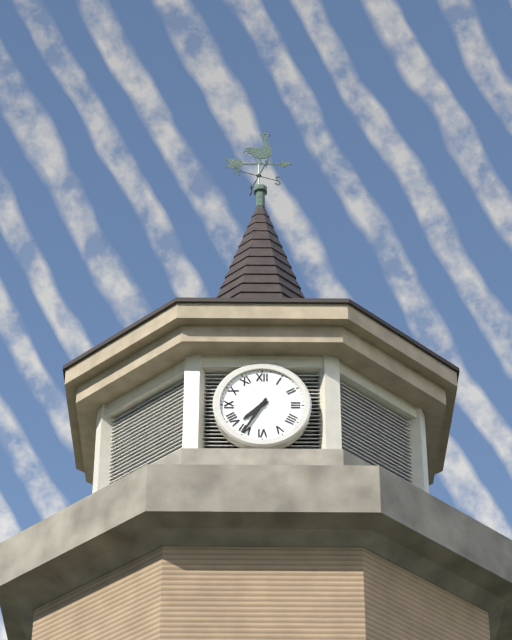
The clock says 7:35
